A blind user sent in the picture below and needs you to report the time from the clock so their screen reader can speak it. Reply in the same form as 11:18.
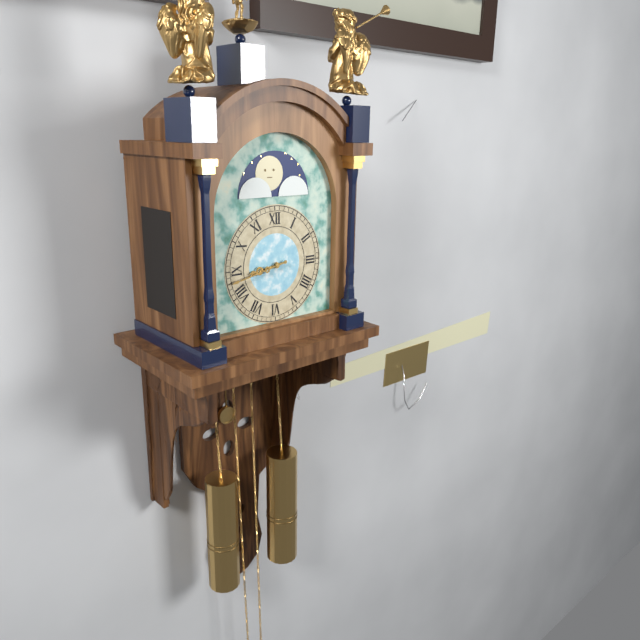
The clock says 8:43
